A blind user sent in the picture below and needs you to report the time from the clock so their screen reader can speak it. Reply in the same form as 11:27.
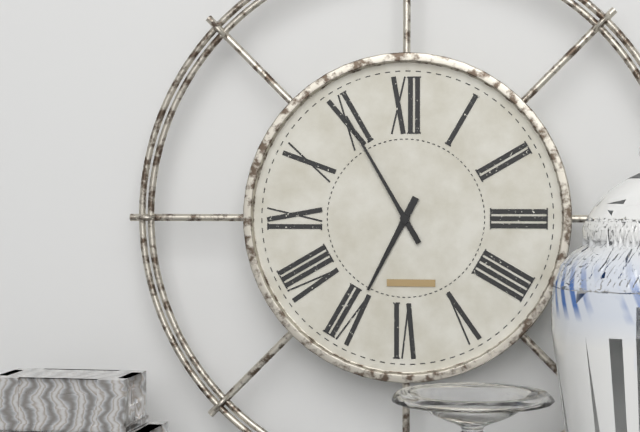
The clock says 6:55
